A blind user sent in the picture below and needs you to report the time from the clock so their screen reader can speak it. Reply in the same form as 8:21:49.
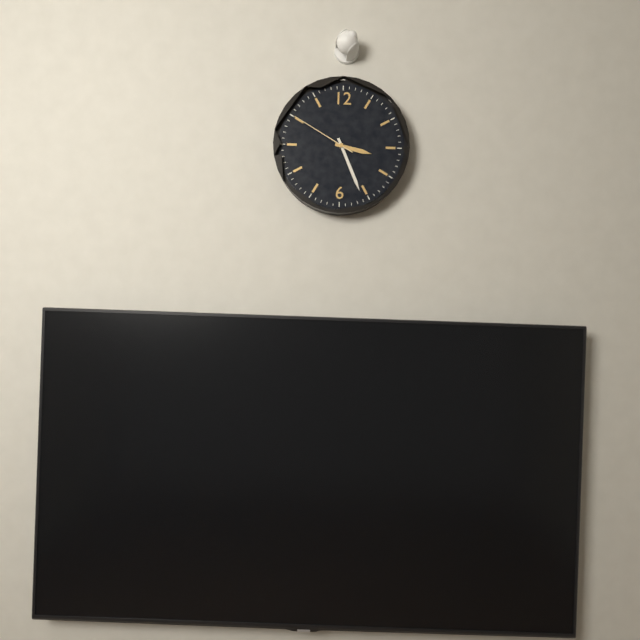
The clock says 3:26:50
